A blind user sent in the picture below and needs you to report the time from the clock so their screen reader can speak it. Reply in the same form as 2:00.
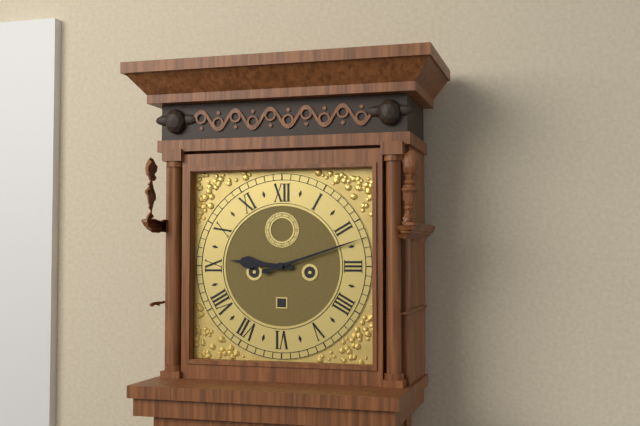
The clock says 9:12
